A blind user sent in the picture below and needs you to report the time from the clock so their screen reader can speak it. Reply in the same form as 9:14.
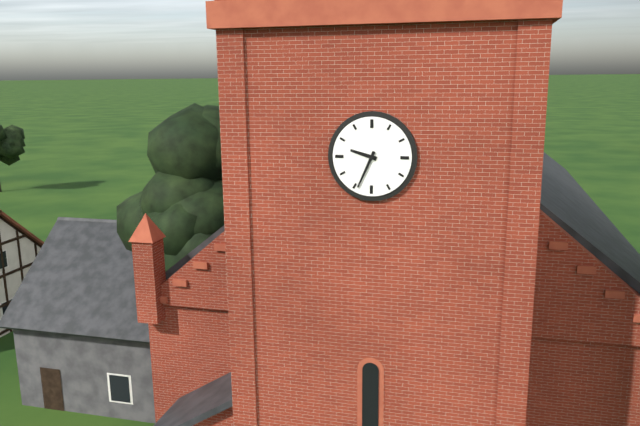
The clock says 9:34
